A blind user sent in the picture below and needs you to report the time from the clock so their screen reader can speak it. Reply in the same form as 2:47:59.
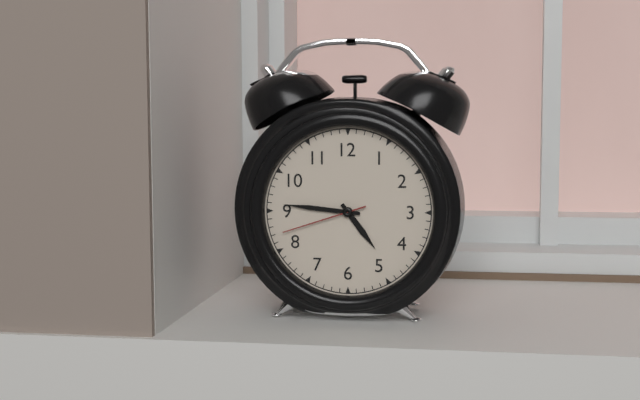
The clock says 4:46:42
